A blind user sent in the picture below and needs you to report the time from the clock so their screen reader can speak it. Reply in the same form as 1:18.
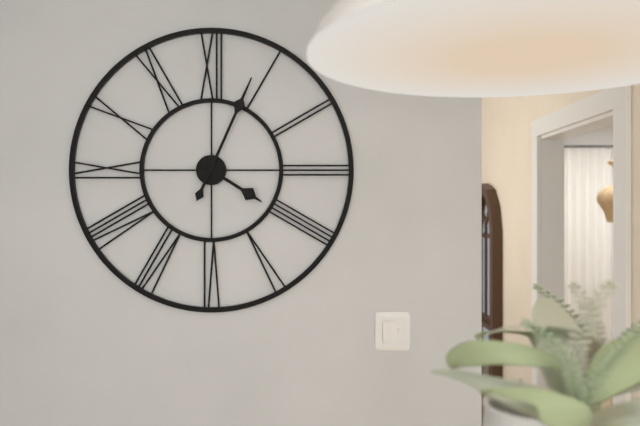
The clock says 4:04
